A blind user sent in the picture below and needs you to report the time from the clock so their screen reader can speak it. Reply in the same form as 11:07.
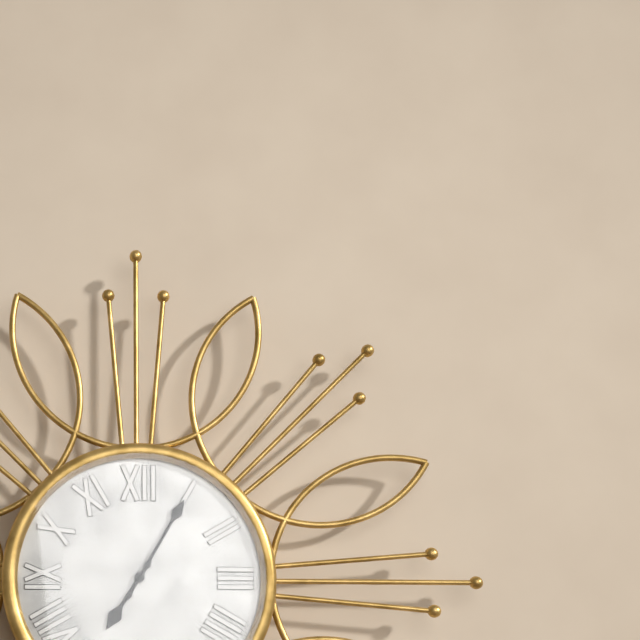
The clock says 7:05
